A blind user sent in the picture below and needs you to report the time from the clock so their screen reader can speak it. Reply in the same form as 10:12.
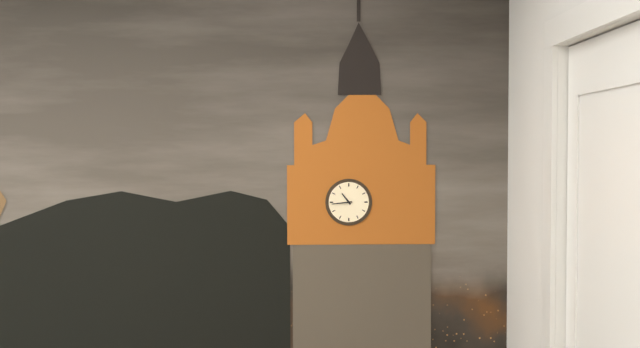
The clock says 10:44
